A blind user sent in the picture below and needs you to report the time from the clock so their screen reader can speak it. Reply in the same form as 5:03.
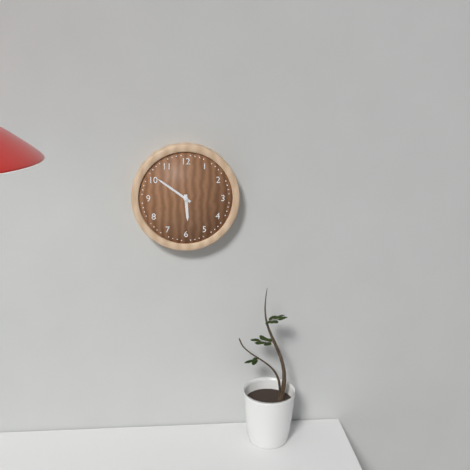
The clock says 5:51
